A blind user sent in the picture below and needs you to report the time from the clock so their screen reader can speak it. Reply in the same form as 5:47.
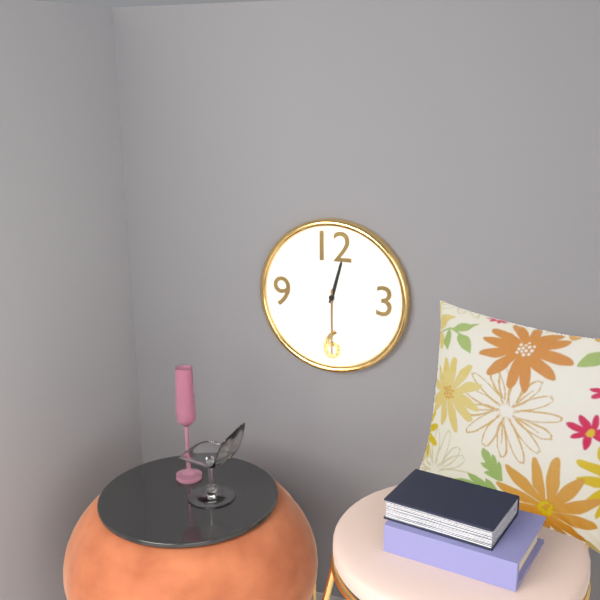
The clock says 12:30
